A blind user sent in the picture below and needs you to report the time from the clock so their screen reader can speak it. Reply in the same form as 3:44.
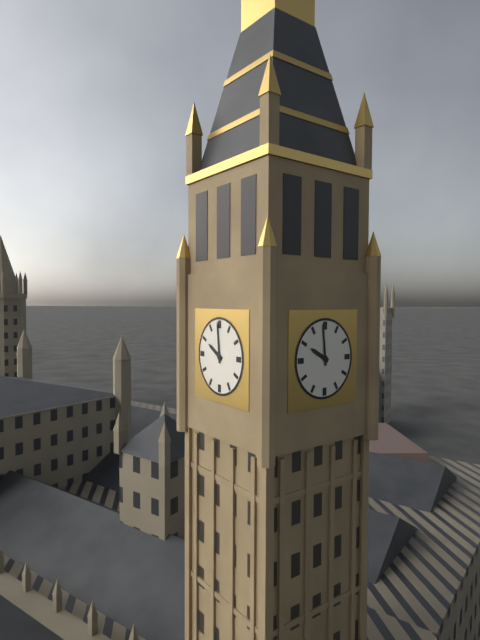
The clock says 9:59
